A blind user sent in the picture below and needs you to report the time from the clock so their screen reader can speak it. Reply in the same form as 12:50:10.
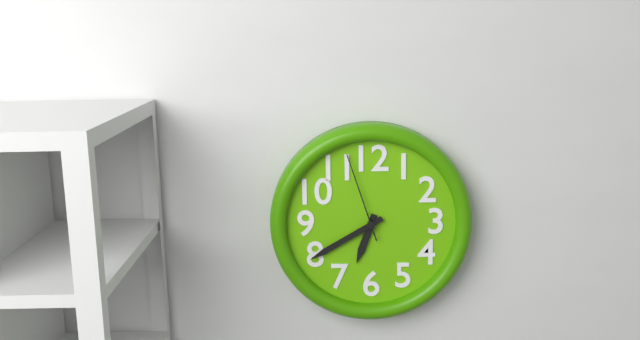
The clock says 6:40:57
